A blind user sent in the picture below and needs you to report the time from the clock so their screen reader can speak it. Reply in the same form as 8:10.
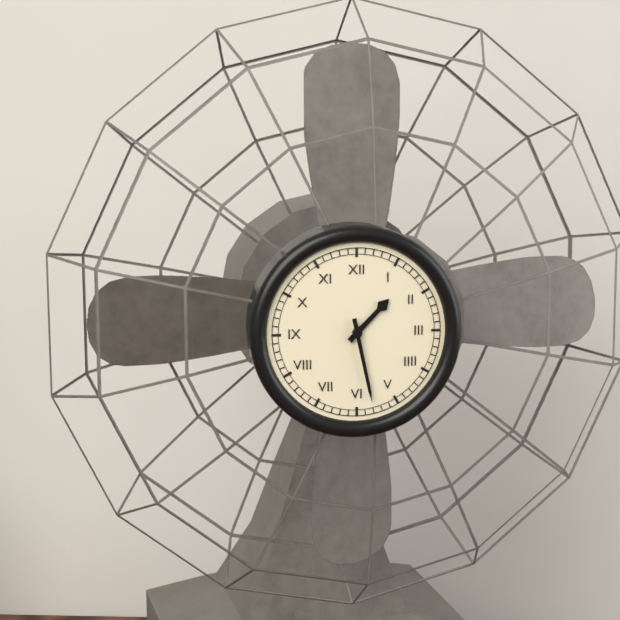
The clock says 1:28
